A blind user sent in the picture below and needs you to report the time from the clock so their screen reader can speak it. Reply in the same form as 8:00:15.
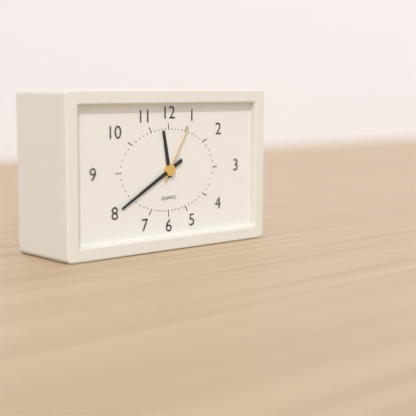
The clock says 11:40:05
